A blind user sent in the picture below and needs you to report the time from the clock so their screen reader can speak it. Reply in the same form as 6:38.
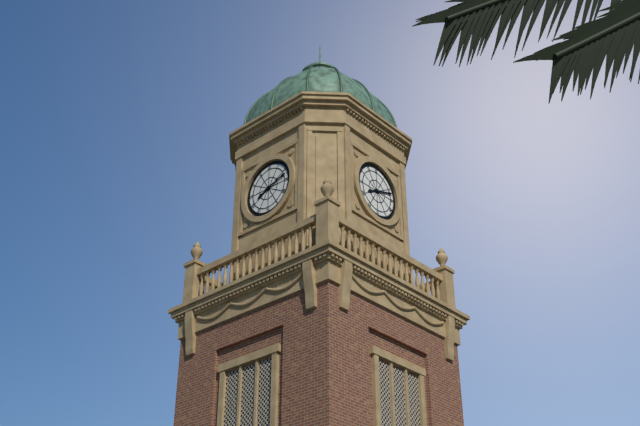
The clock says 8:12
